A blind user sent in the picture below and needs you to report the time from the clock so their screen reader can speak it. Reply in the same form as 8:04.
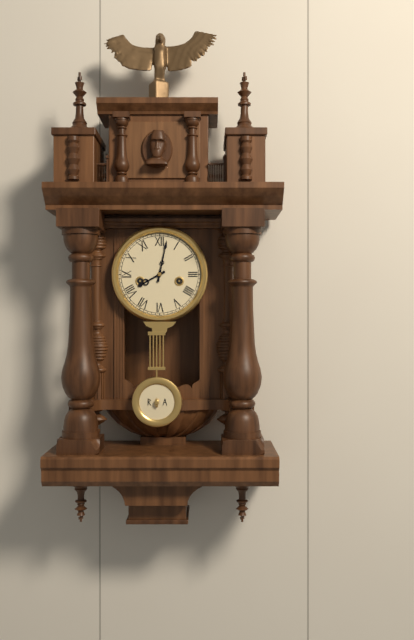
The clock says 8:02
